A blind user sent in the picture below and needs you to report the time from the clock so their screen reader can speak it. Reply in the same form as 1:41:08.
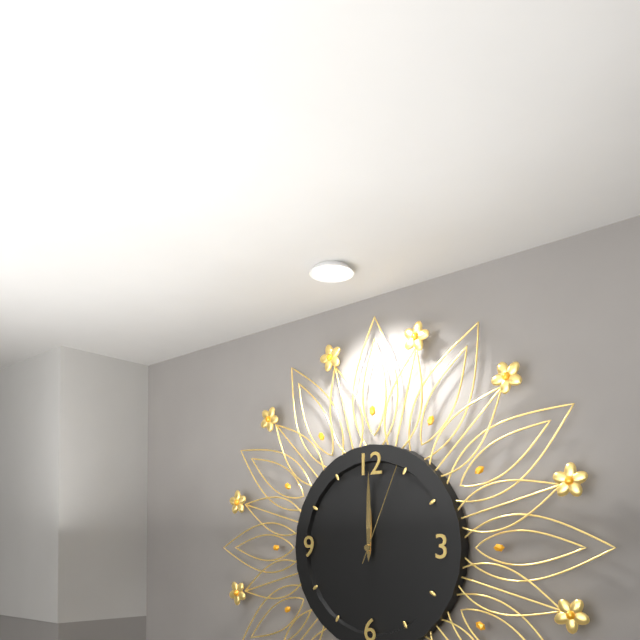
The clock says 12:00:04
